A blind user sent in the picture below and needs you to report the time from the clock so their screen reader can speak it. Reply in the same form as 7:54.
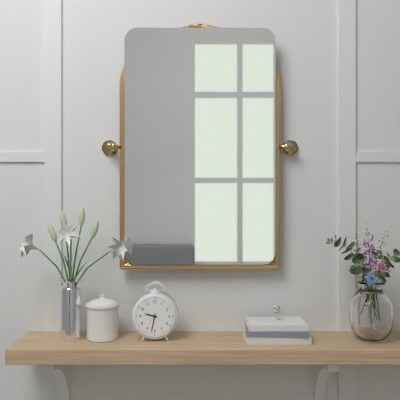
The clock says 9:32
